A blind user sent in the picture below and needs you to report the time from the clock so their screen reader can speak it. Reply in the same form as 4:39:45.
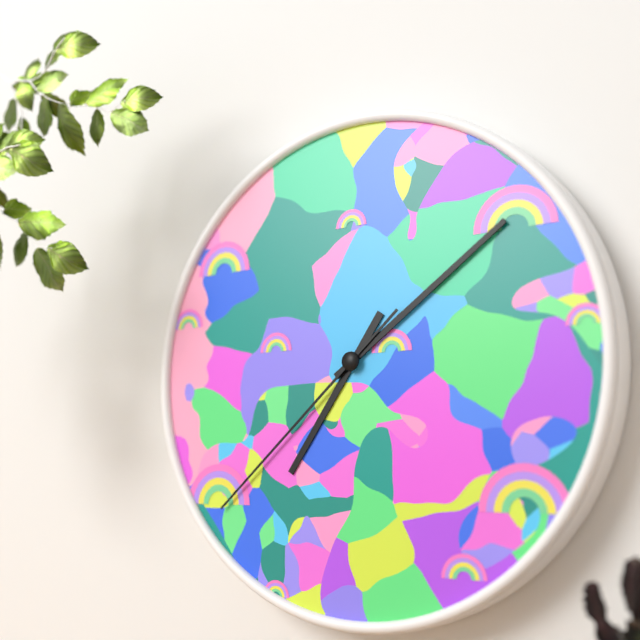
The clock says 7:09:38
